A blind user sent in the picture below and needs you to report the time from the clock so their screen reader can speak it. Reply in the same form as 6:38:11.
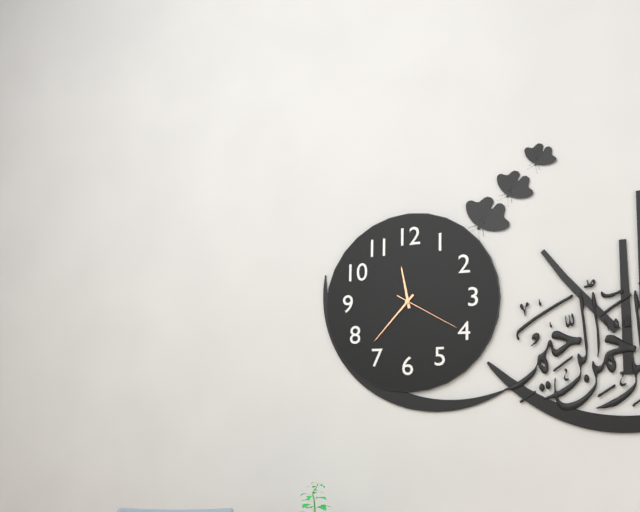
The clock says 11:37:20
